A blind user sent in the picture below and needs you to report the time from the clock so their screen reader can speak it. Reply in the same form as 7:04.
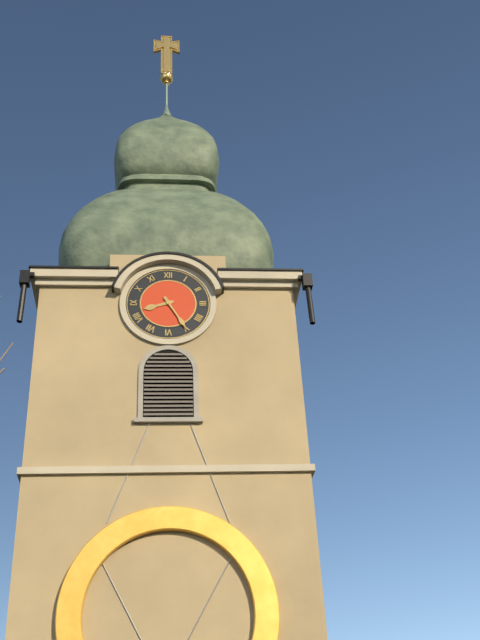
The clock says 8:25
